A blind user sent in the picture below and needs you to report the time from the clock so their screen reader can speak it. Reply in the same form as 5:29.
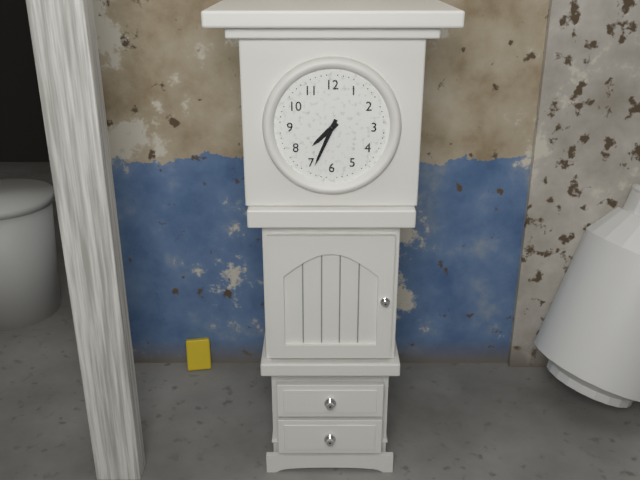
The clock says 7:34
